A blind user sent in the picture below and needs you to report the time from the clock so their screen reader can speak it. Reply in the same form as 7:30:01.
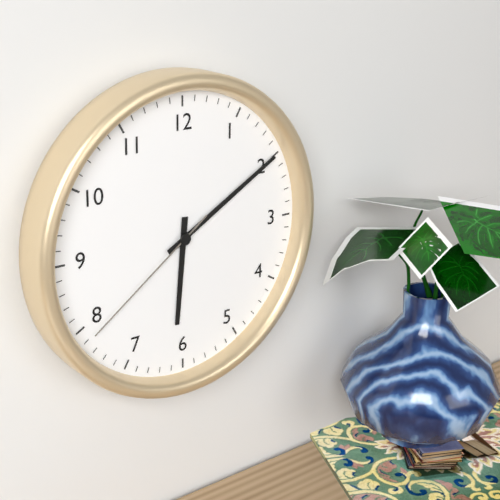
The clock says 6:10:39
